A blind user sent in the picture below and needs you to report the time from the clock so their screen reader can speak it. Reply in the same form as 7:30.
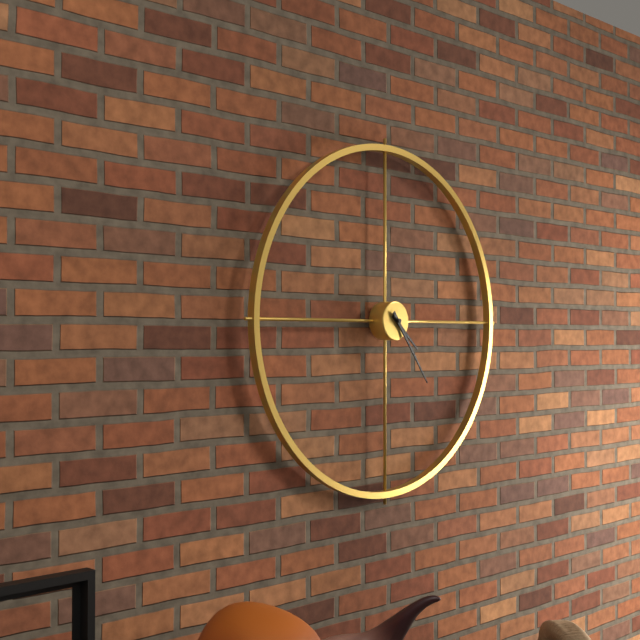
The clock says 4:24
